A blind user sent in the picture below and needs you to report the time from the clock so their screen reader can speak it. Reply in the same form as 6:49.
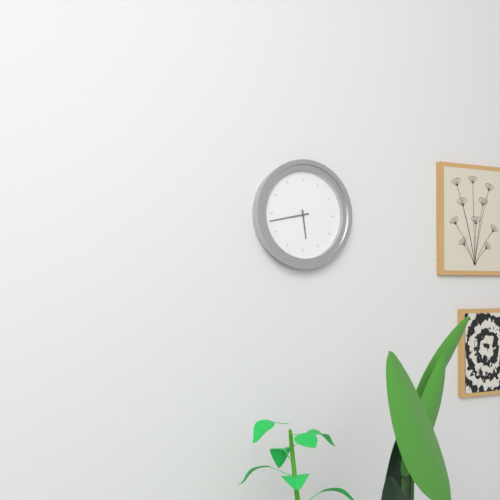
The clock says 5:43
